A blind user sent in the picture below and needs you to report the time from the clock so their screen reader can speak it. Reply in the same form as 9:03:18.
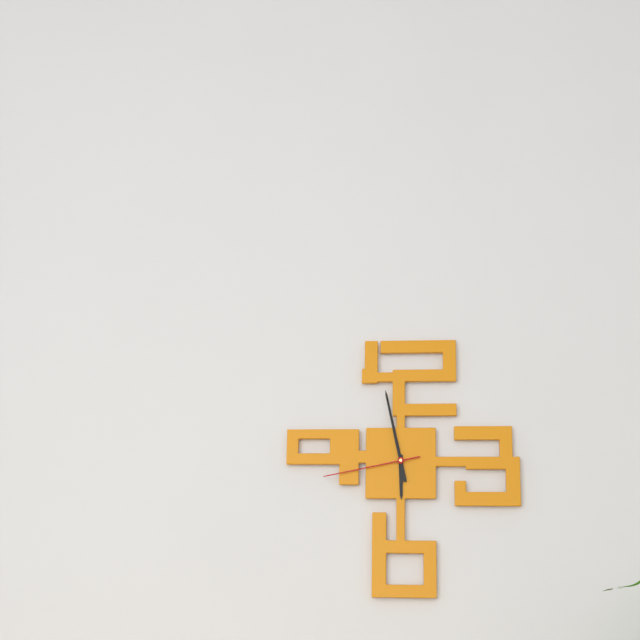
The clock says 5:58:43
